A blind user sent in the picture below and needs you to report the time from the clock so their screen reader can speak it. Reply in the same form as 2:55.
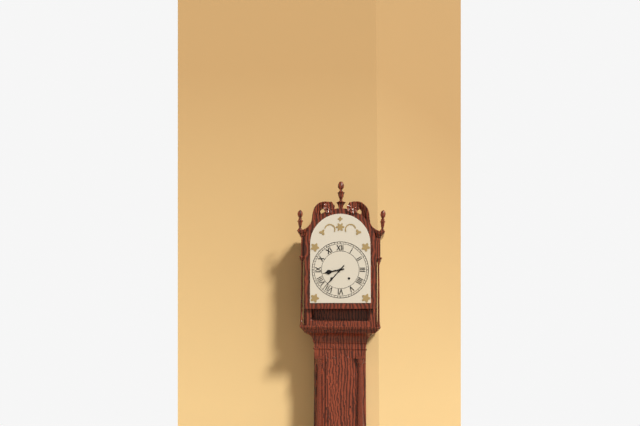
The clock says 8:37
